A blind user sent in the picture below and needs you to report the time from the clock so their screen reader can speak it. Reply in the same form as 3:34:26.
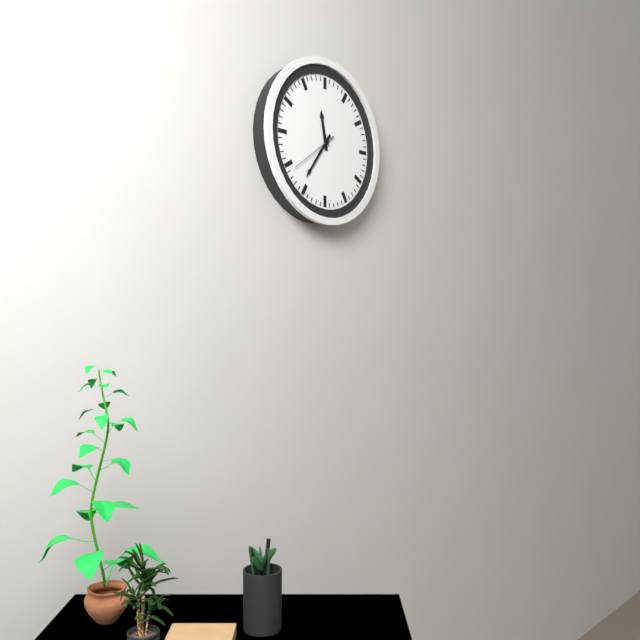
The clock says 11:36:39
